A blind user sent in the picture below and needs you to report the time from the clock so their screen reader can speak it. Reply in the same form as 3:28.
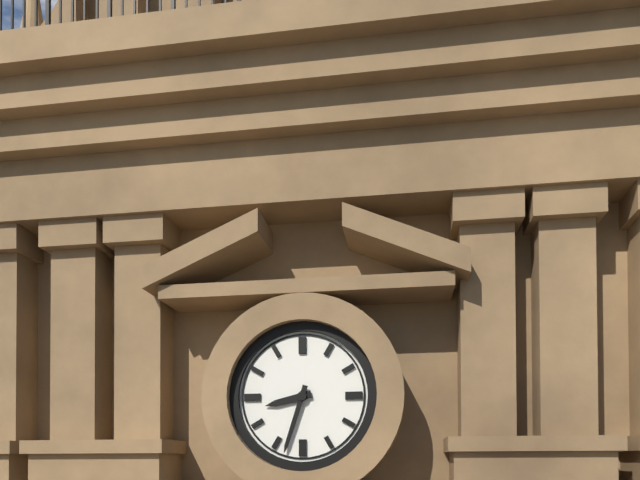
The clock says 8:33
